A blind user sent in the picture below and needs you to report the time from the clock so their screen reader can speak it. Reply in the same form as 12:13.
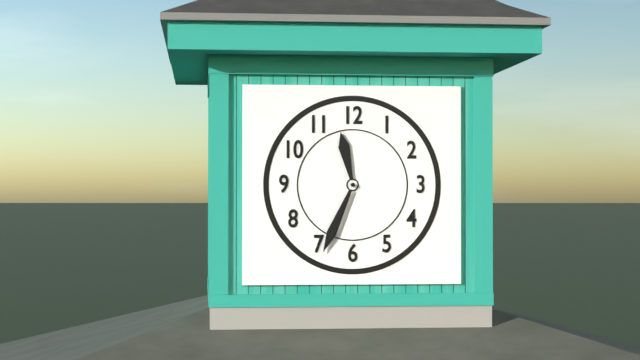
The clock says 11:34
